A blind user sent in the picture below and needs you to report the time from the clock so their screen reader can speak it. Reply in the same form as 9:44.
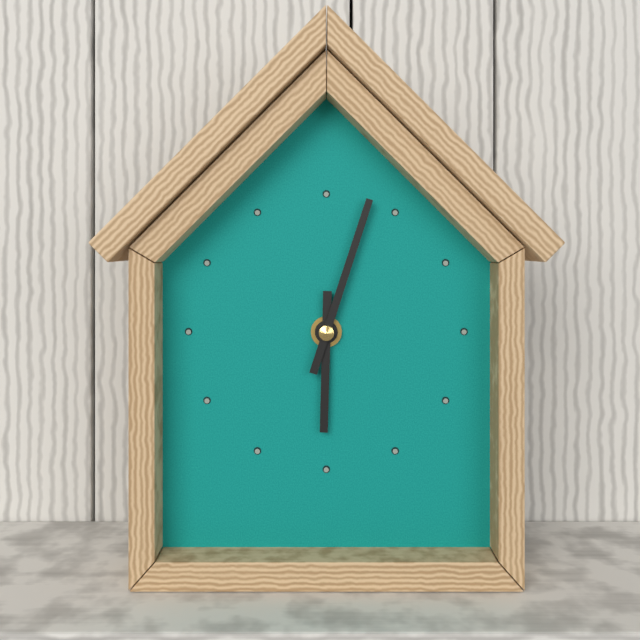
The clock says 6:03
